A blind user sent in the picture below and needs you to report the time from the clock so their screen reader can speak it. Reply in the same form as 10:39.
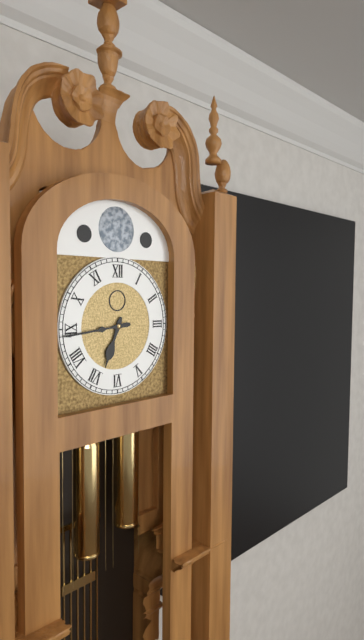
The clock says 6:44
